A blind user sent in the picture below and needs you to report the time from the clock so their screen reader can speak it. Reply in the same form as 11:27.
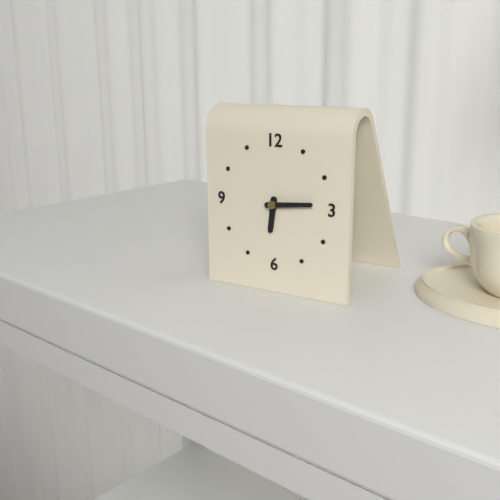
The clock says 6:14
